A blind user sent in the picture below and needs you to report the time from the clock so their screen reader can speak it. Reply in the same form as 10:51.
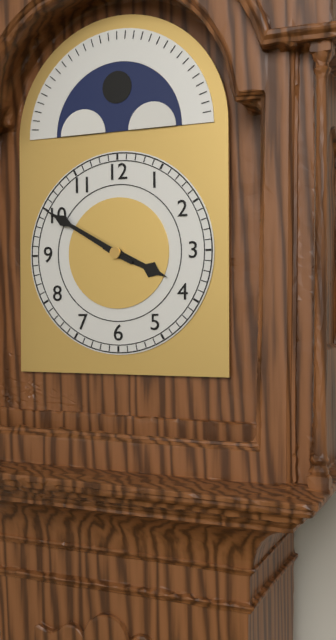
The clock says 3:50
